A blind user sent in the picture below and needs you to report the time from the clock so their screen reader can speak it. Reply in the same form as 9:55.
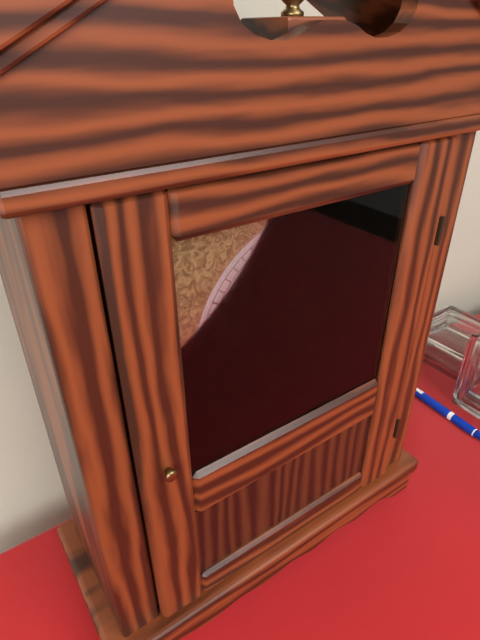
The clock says 5:06
